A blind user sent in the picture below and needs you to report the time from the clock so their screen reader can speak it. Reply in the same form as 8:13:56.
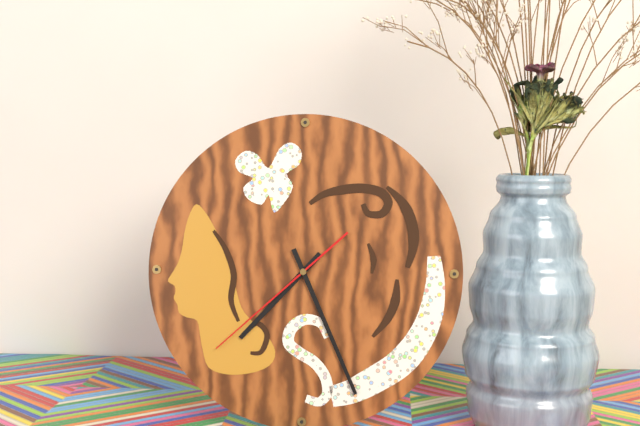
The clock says 7:26:38
